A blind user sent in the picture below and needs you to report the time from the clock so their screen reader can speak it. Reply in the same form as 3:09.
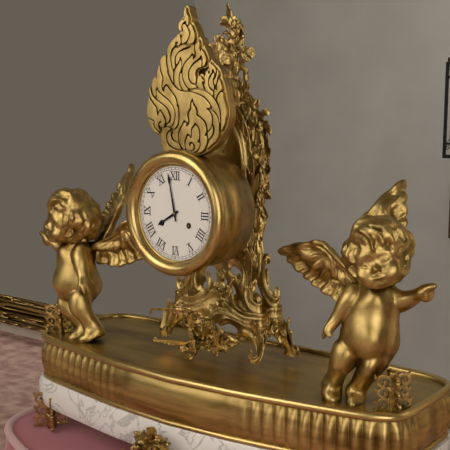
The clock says 7:58
